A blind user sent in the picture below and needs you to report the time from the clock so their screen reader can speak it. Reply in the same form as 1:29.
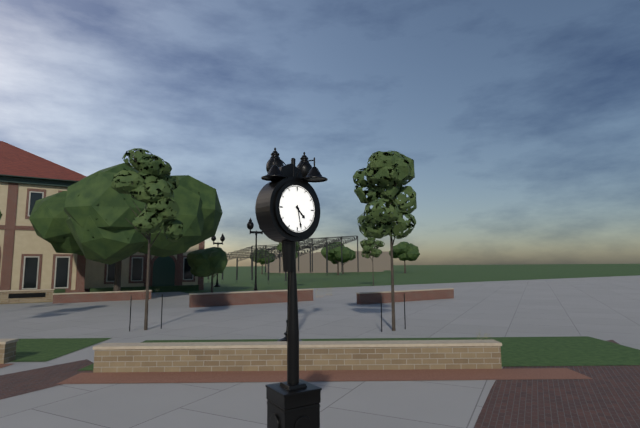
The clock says 4:28
